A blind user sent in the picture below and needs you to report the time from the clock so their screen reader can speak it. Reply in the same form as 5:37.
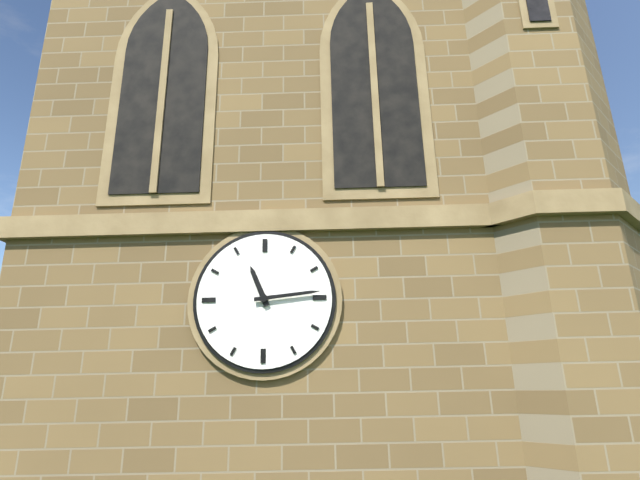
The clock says 11:14
